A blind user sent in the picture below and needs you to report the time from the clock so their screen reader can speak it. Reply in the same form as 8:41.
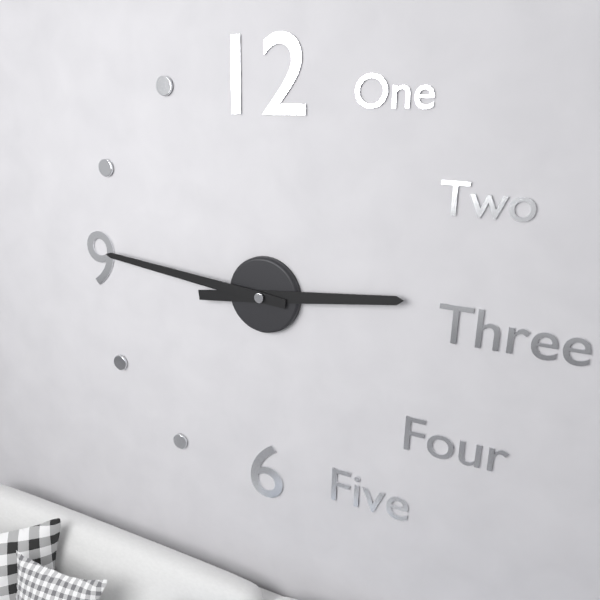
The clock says 2:46
